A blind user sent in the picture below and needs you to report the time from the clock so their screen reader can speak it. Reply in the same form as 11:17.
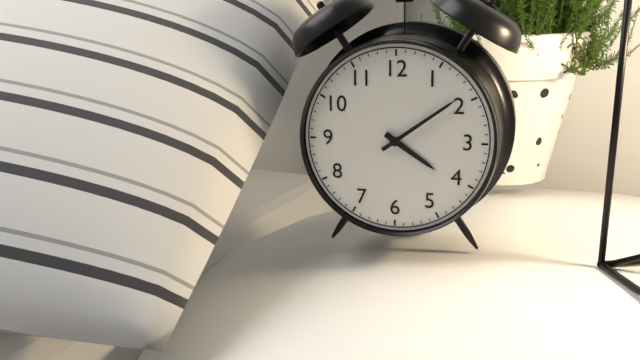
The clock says 4:09
